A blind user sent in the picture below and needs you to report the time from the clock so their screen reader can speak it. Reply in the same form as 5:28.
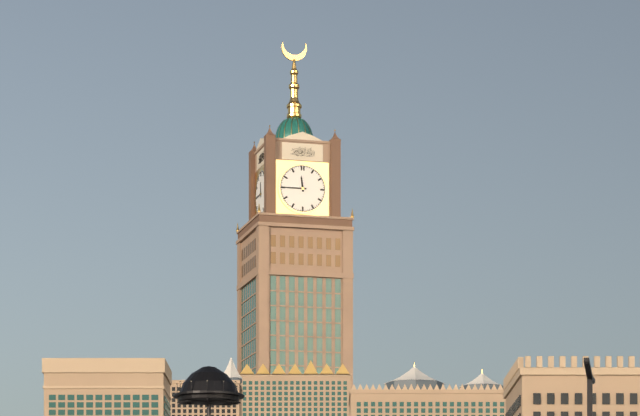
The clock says 11:45
